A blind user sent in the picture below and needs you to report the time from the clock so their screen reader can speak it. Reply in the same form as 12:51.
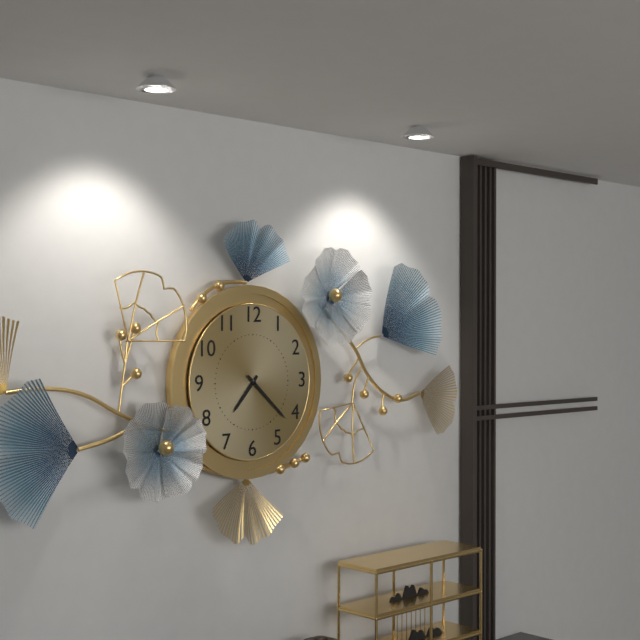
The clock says 7:22
